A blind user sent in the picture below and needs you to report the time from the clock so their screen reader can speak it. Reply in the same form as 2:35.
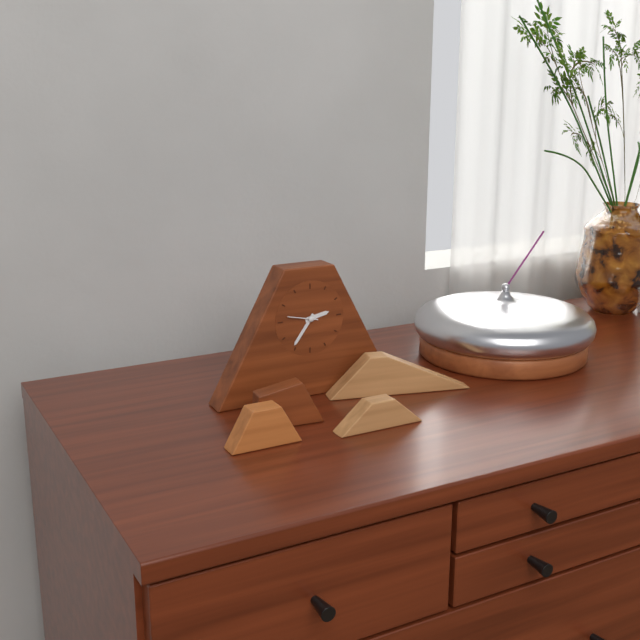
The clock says 2:36
